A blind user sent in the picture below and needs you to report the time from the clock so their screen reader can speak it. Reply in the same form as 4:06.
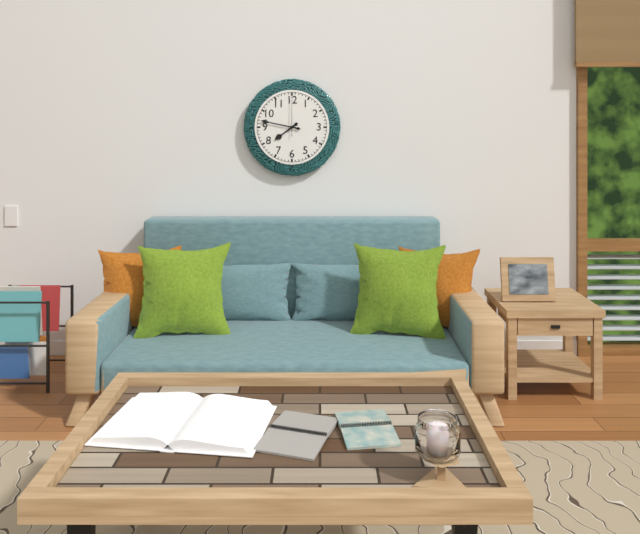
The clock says 7:47
